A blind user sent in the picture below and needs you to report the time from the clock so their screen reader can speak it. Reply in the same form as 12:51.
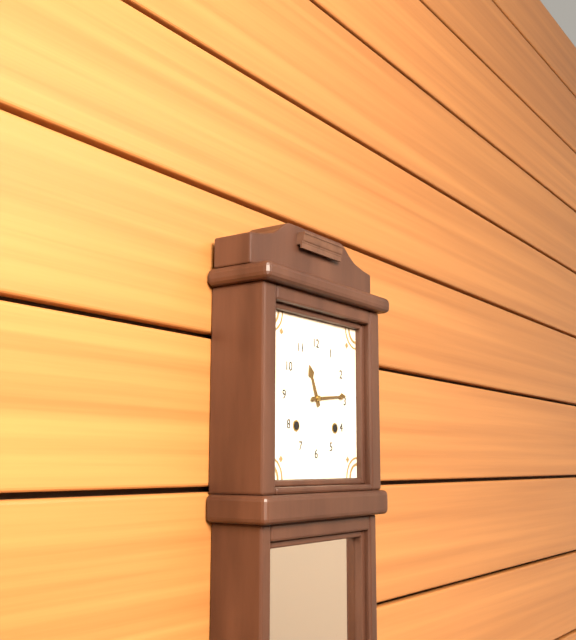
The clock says 11:14
